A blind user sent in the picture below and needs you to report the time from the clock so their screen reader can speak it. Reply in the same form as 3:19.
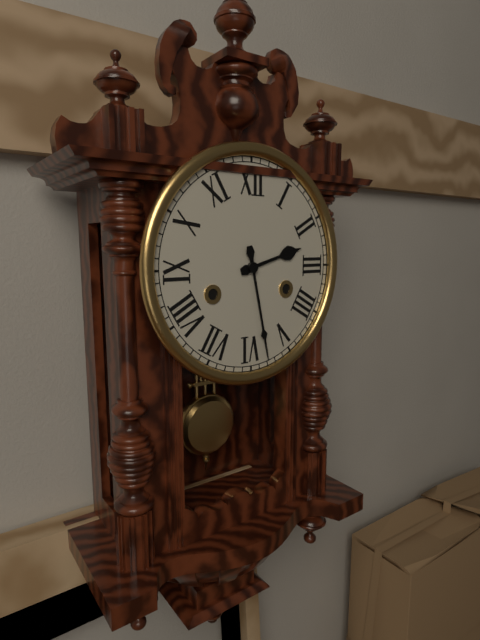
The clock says 2:28
